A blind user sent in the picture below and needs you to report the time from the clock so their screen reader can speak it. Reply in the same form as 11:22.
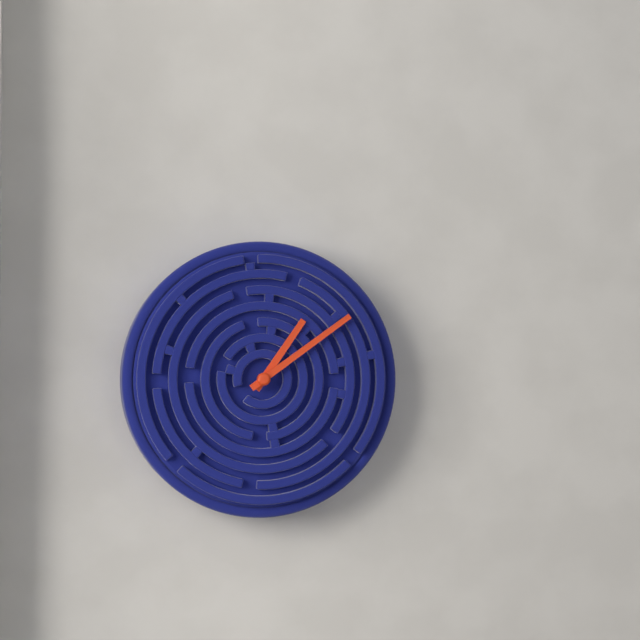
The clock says 1:09
